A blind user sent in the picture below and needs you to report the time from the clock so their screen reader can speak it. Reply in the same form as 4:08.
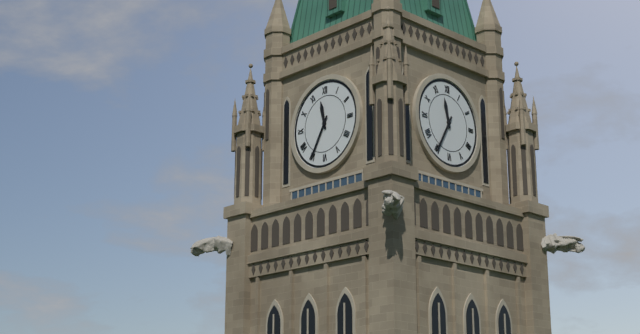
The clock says 11:35
